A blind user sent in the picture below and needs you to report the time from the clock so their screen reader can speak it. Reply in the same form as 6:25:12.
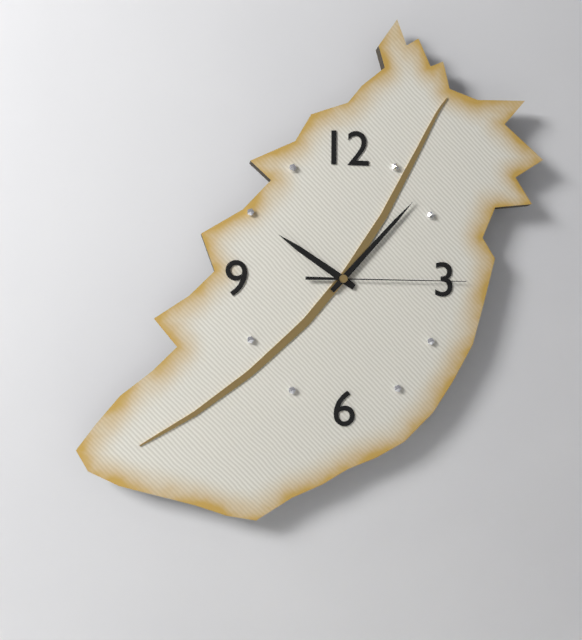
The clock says 10:07:15
